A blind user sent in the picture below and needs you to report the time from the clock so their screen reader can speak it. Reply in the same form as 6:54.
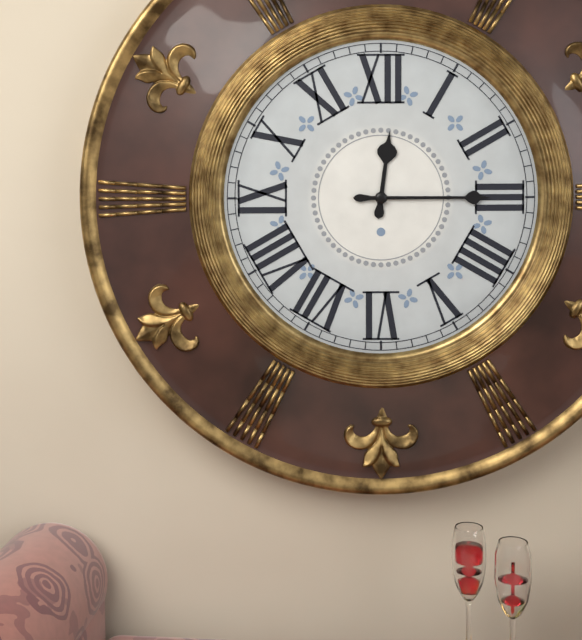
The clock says 12:15
